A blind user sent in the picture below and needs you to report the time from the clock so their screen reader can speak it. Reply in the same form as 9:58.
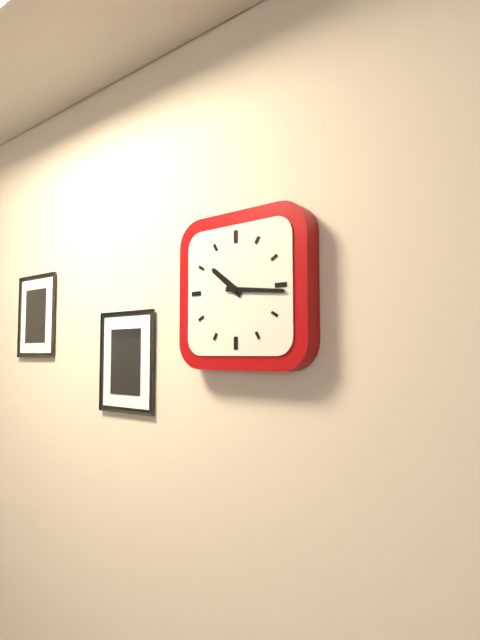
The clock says 10:16
